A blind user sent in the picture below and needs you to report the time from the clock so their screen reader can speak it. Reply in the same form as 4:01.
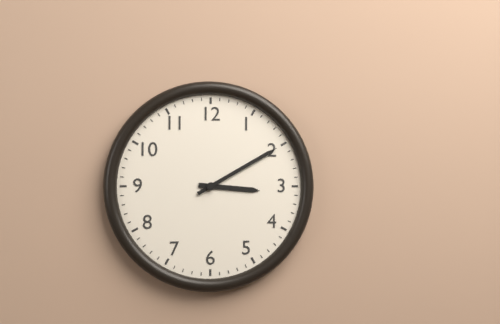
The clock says 3:10
